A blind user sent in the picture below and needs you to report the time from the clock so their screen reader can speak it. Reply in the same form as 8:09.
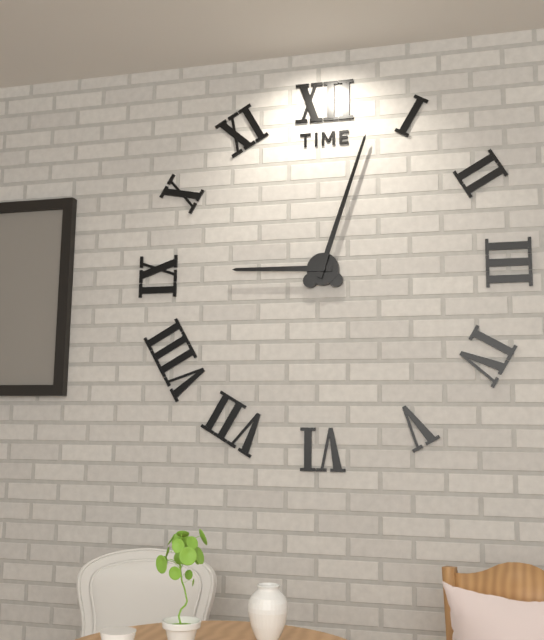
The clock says 9:03
